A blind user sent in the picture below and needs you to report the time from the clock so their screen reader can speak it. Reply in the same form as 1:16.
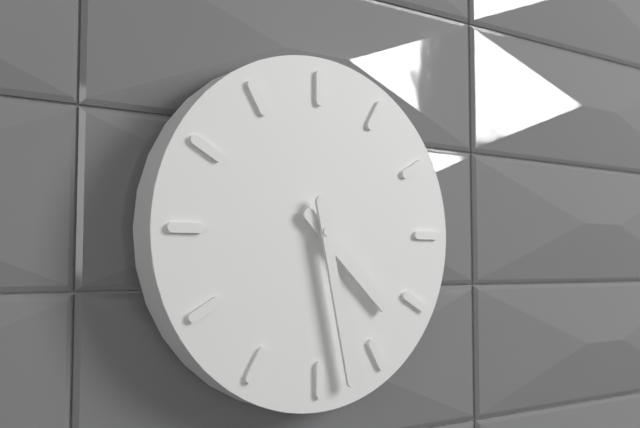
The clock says 4:28
